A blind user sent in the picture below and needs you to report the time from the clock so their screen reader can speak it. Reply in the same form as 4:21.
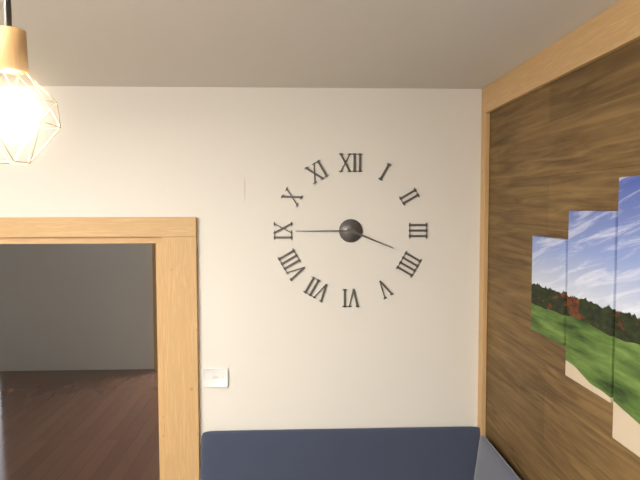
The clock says 3:45
